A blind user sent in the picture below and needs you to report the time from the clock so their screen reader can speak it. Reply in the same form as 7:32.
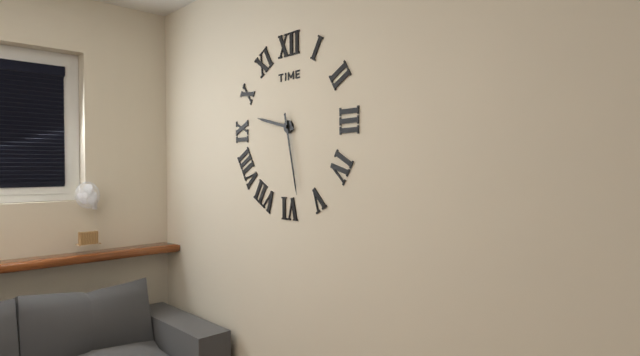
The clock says 9:28
